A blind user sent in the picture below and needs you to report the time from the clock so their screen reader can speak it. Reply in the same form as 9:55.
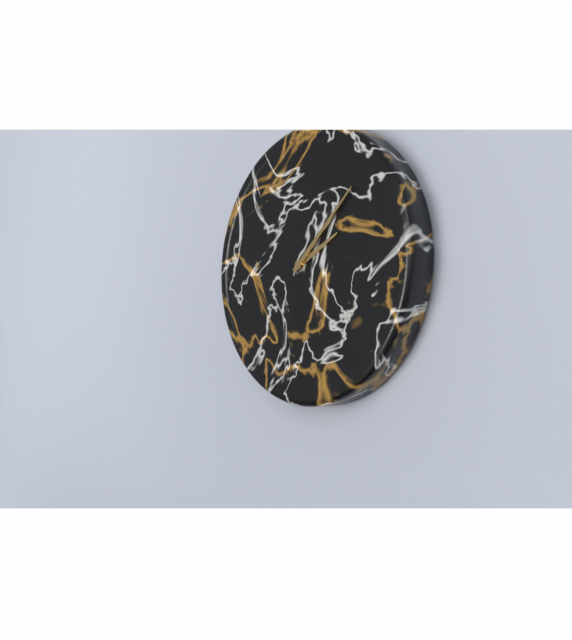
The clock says 2:08
